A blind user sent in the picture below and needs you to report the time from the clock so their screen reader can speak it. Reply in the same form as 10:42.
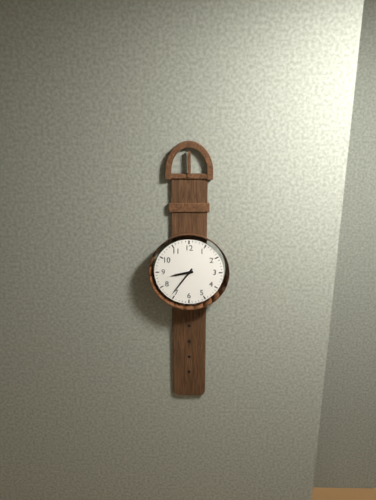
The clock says 8:36
